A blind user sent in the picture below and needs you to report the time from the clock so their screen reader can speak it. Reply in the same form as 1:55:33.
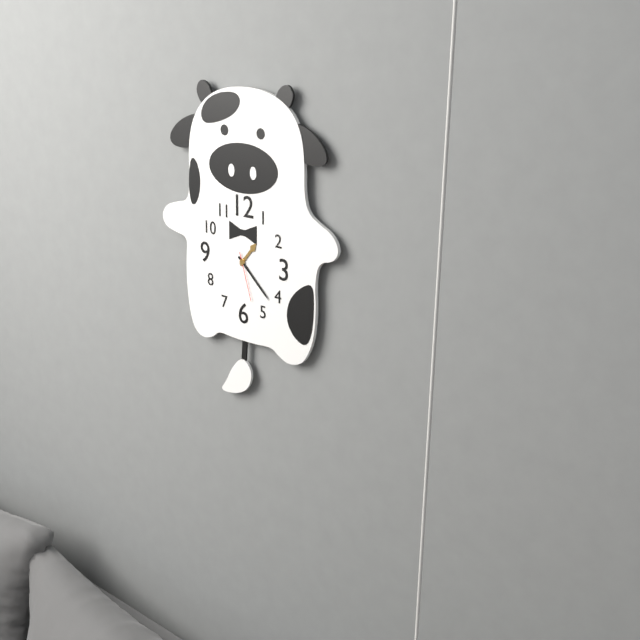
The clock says 1:22:27
